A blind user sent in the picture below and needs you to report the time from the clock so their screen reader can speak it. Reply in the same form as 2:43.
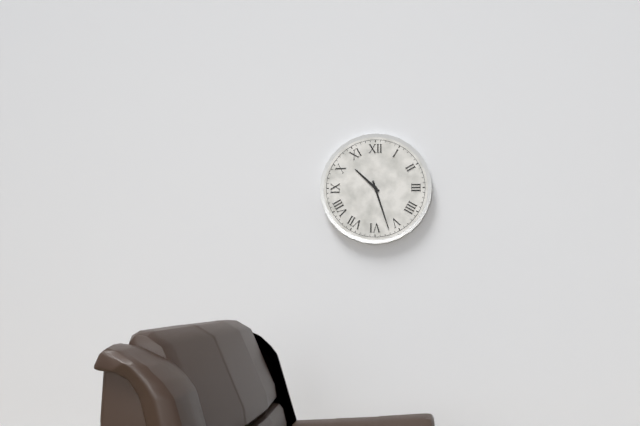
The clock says 10:27
